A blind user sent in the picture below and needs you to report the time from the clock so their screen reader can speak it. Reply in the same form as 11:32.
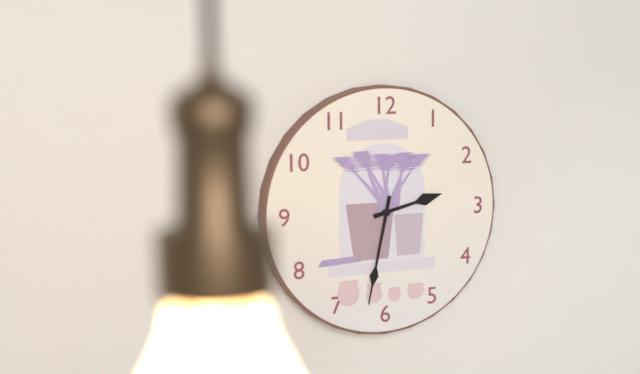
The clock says 2:32
